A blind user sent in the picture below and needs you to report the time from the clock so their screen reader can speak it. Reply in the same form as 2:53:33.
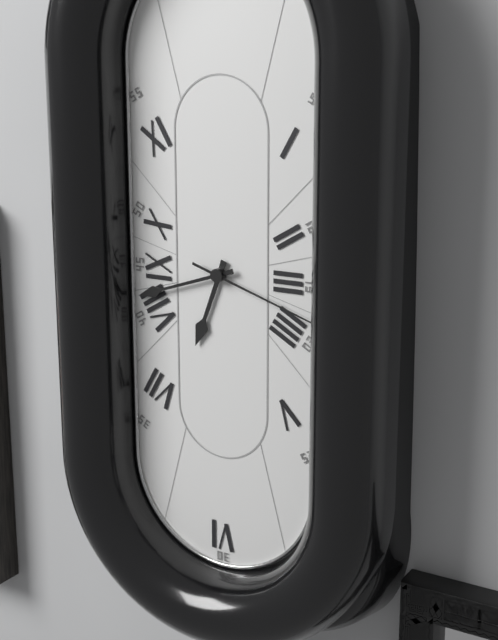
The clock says 6:42:18
